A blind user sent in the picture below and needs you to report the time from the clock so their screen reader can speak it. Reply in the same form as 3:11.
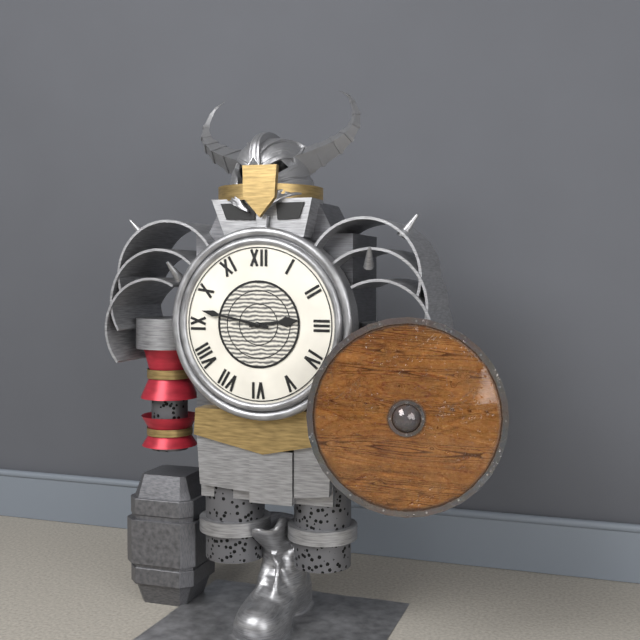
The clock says 2:47
